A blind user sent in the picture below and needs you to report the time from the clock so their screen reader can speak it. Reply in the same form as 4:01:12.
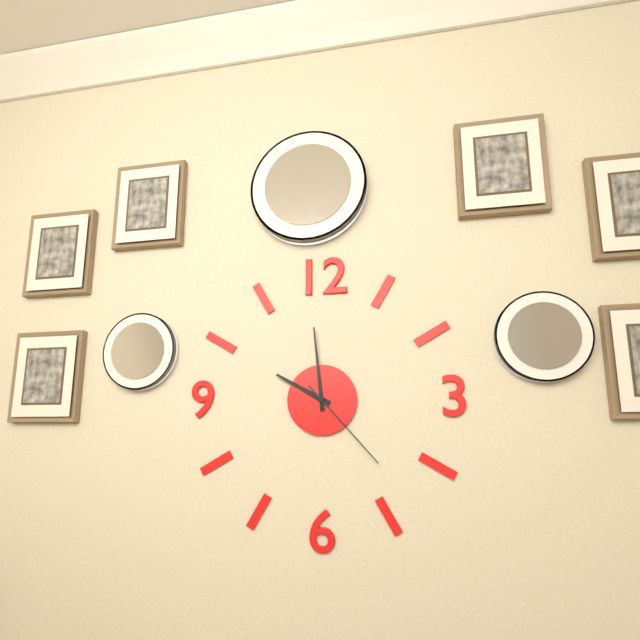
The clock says 9:59:23
